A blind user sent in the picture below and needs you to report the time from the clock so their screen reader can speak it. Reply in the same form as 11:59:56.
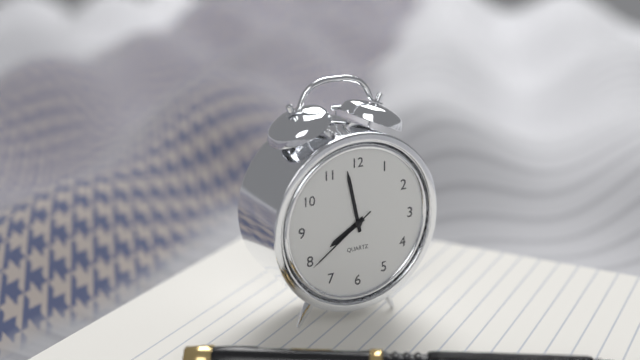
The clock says 7:58:39
